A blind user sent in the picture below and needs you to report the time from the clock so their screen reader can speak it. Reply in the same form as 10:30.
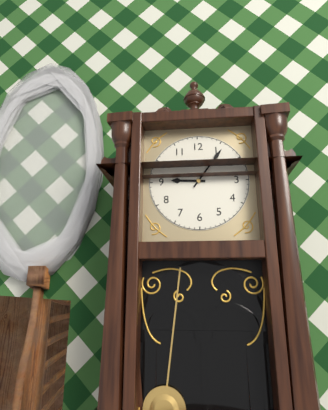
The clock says 9:06
